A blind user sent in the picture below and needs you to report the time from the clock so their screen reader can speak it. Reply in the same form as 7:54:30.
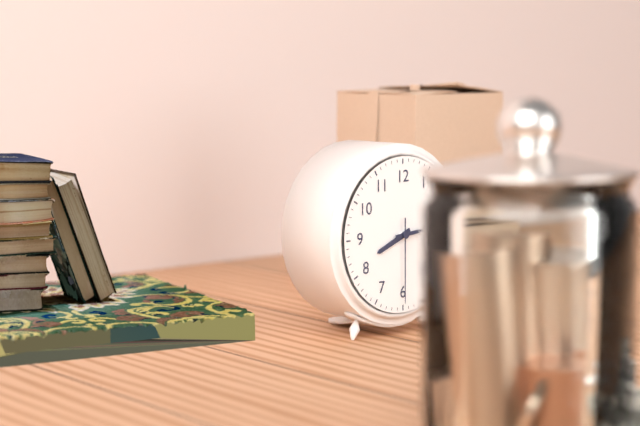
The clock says 8:14:30
